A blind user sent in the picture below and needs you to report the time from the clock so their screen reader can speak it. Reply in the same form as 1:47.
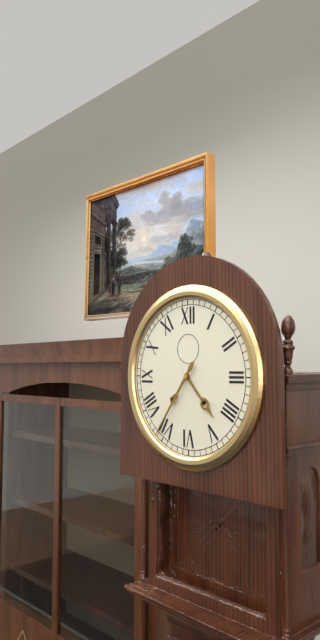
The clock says 4:36
